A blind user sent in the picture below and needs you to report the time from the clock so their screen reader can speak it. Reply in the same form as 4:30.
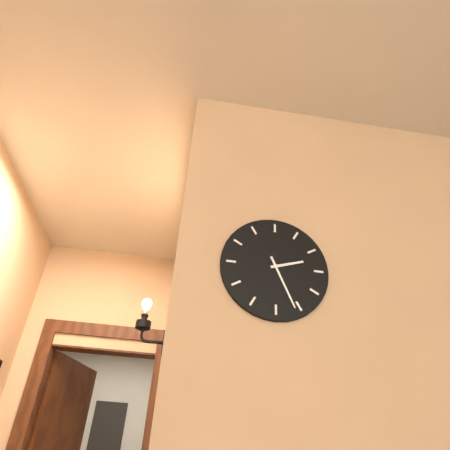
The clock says 2:26
